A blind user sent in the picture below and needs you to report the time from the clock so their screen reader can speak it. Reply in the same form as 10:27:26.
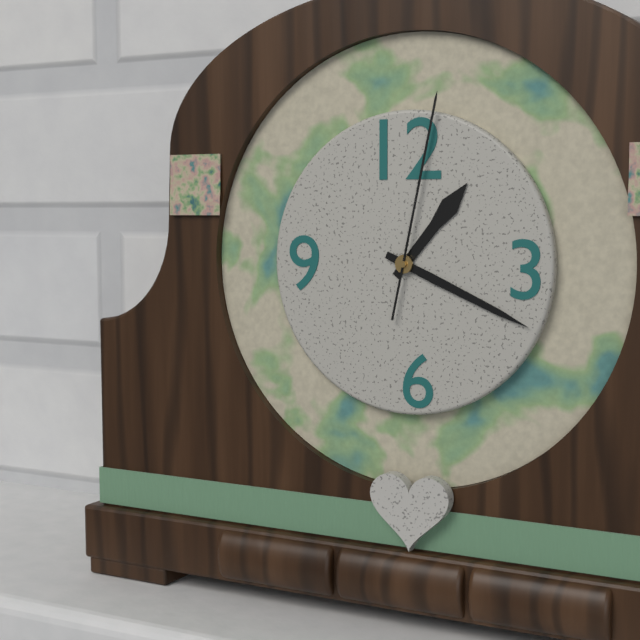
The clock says 1:19:02
